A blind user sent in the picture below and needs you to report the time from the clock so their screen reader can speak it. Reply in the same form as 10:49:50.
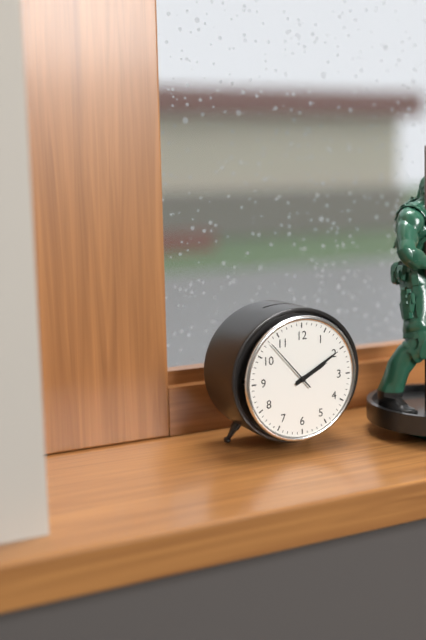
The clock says 2:10:53
